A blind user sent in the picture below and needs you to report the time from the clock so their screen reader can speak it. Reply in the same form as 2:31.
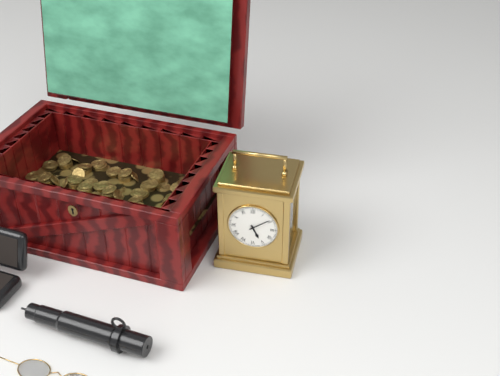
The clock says 5:09
